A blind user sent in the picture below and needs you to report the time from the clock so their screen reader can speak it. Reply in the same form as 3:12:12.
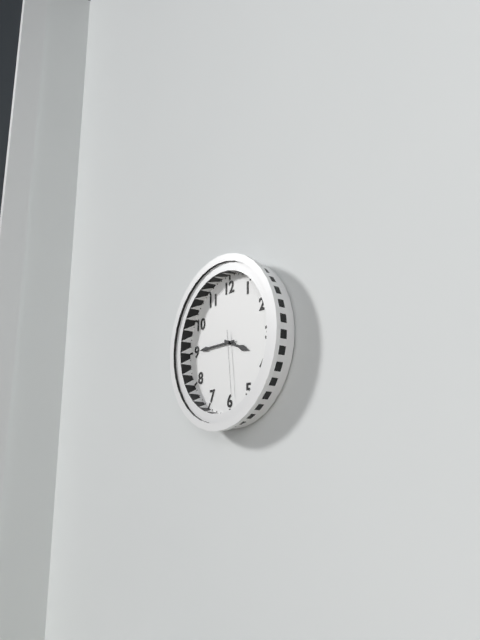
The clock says 3:45:29
